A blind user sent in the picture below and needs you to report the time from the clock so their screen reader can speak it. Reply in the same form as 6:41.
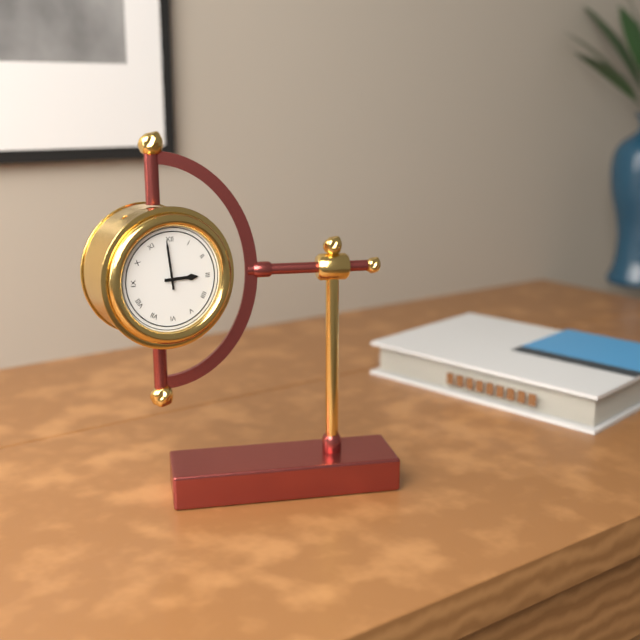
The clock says 2:59
